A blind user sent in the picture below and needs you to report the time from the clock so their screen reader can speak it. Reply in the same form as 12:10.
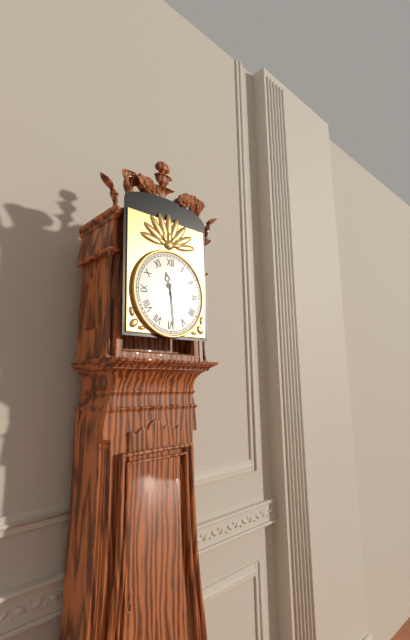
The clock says 11:29
